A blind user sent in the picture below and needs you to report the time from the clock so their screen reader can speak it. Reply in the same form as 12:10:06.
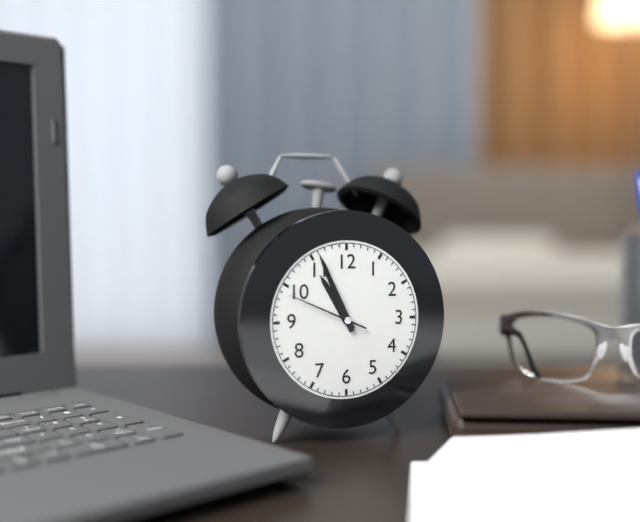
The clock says 10:56:49
